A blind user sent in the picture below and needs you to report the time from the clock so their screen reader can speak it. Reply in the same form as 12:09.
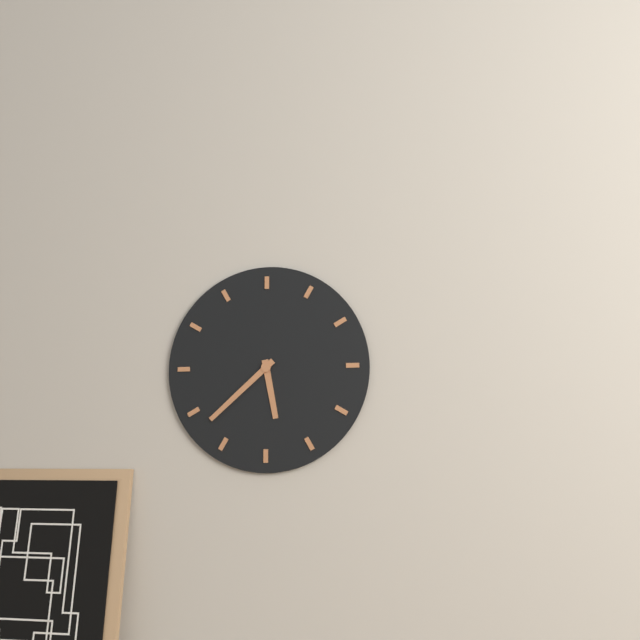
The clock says 5:38
